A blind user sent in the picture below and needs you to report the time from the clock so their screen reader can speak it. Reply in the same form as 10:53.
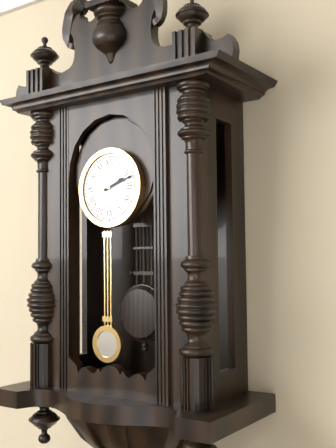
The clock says 2:12
